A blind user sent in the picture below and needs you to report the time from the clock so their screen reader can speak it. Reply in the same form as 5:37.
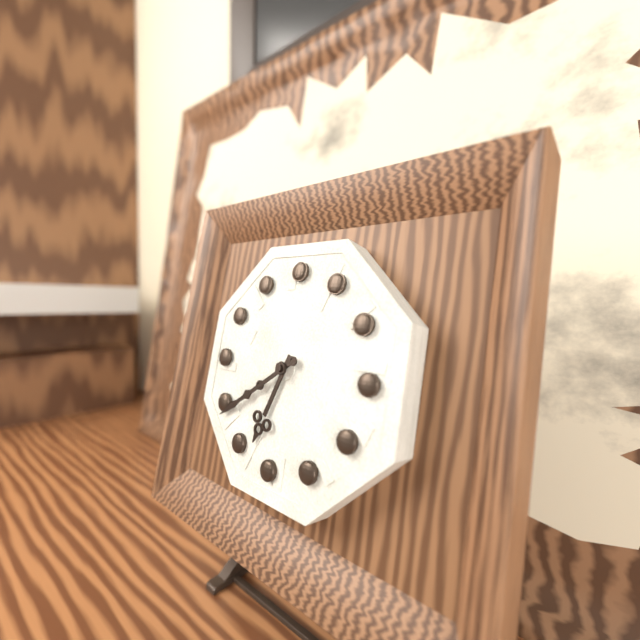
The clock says 6:39
